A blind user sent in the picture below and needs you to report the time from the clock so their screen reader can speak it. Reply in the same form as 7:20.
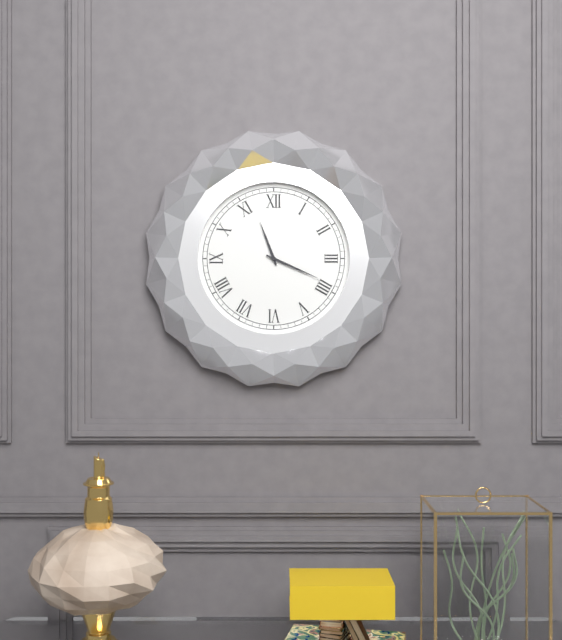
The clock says 11:19
